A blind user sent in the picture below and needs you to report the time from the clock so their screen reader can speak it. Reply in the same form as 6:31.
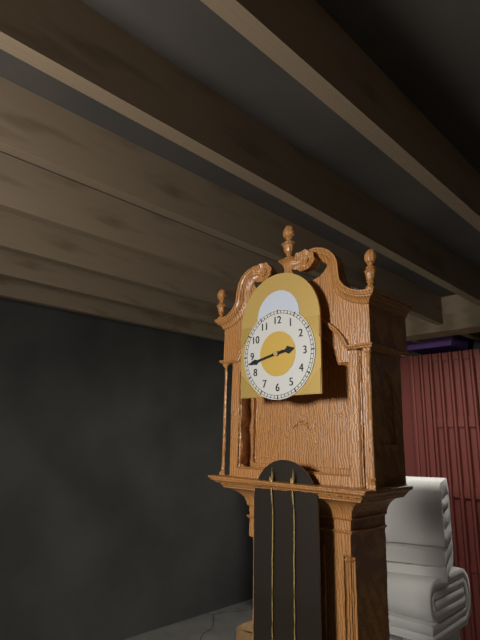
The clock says 2:43
